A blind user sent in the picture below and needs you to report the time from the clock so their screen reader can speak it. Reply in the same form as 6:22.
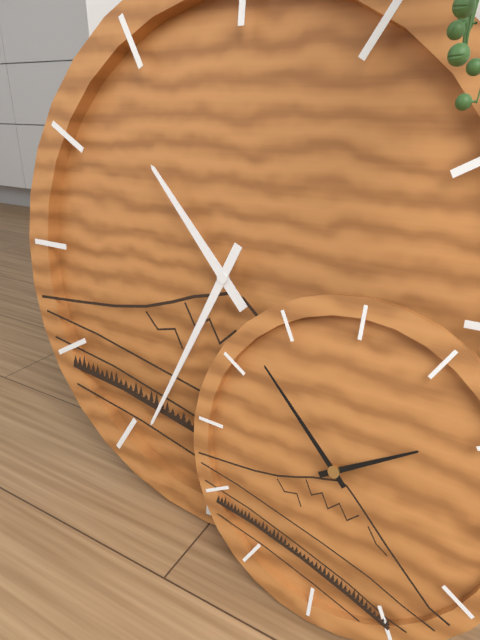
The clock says 10:34
